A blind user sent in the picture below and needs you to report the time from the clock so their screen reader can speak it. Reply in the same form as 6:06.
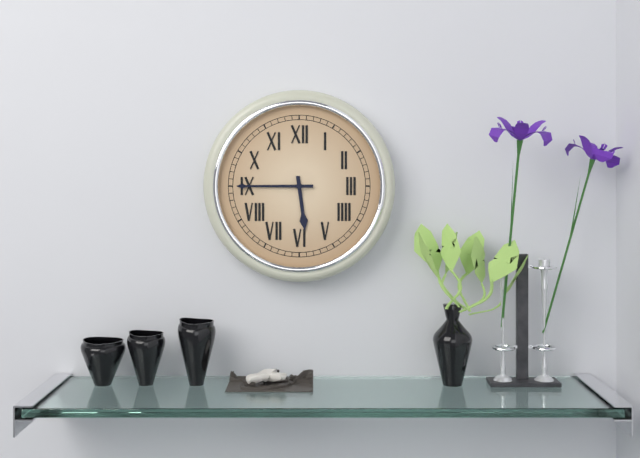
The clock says 5:45
